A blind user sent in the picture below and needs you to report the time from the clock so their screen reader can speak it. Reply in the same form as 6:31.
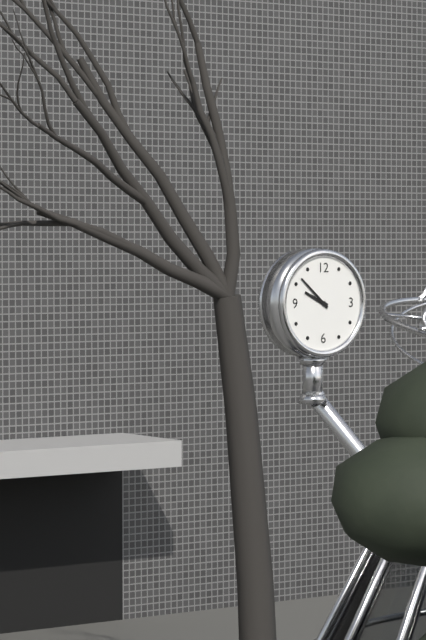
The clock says 9:52
